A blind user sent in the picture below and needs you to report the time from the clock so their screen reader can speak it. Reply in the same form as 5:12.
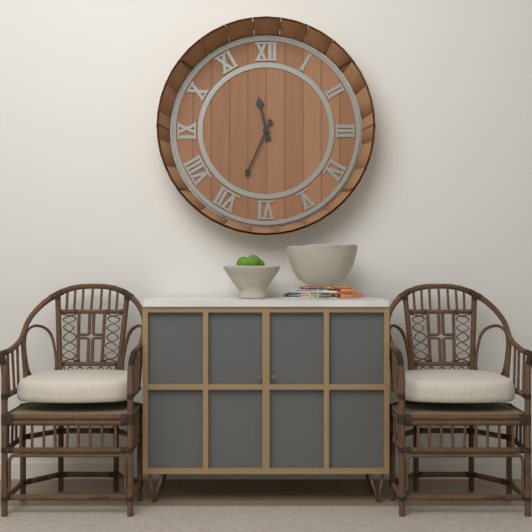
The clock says 11:34
